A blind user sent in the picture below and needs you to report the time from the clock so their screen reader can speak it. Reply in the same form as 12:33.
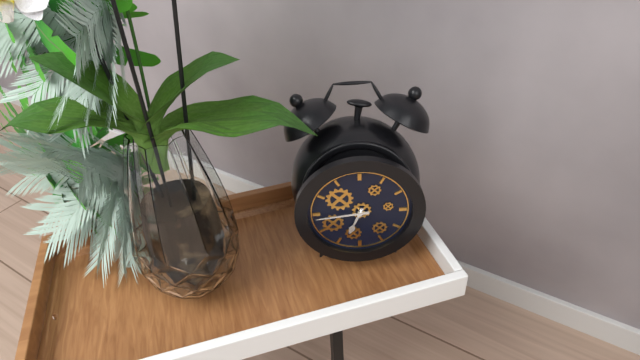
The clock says 6:44
